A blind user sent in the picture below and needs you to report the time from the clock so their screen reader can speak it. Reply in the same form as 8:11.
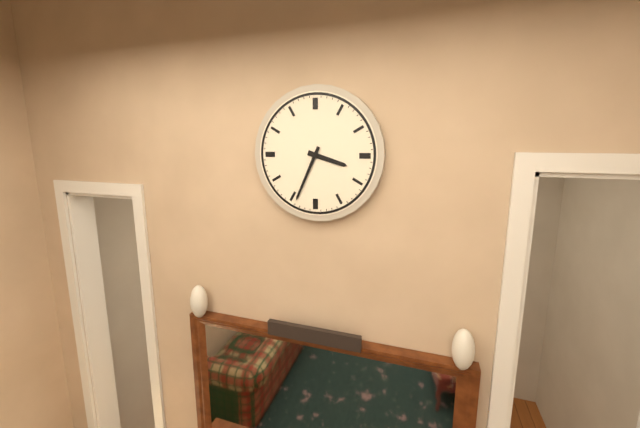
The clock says 3:34
